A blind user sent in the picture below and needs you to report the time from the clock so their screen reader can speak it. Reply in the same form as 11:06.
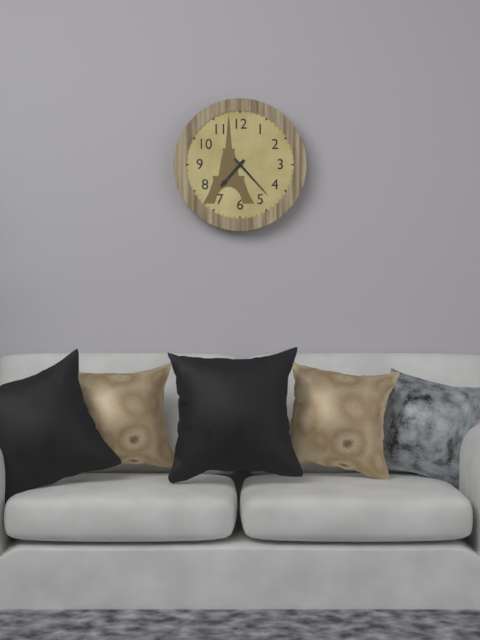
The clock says 7:23
